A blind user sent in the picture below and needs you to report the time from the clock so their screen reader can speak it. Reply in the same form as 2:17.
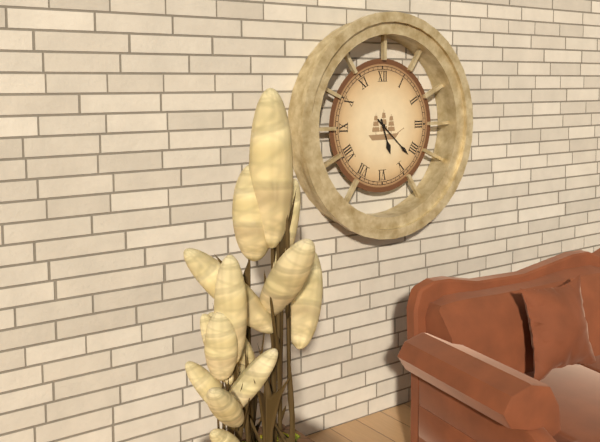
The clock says 5:22
